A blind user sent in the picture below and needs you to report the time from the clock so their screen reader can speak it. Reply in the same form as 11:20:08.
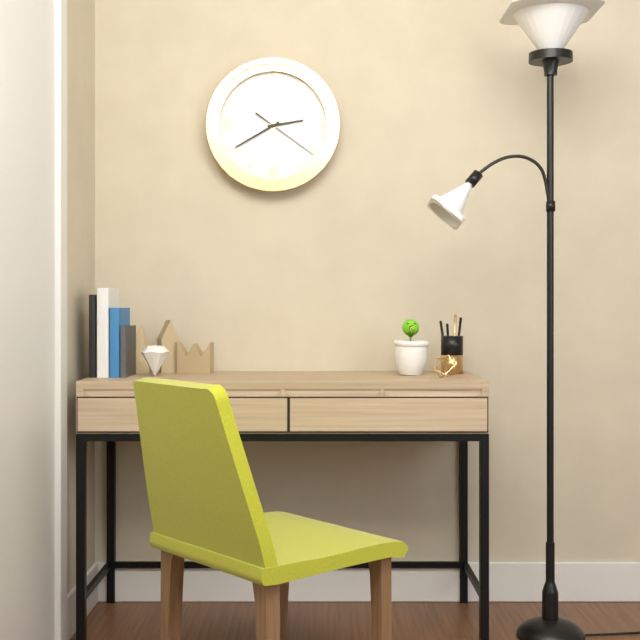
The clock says 2:40:21
